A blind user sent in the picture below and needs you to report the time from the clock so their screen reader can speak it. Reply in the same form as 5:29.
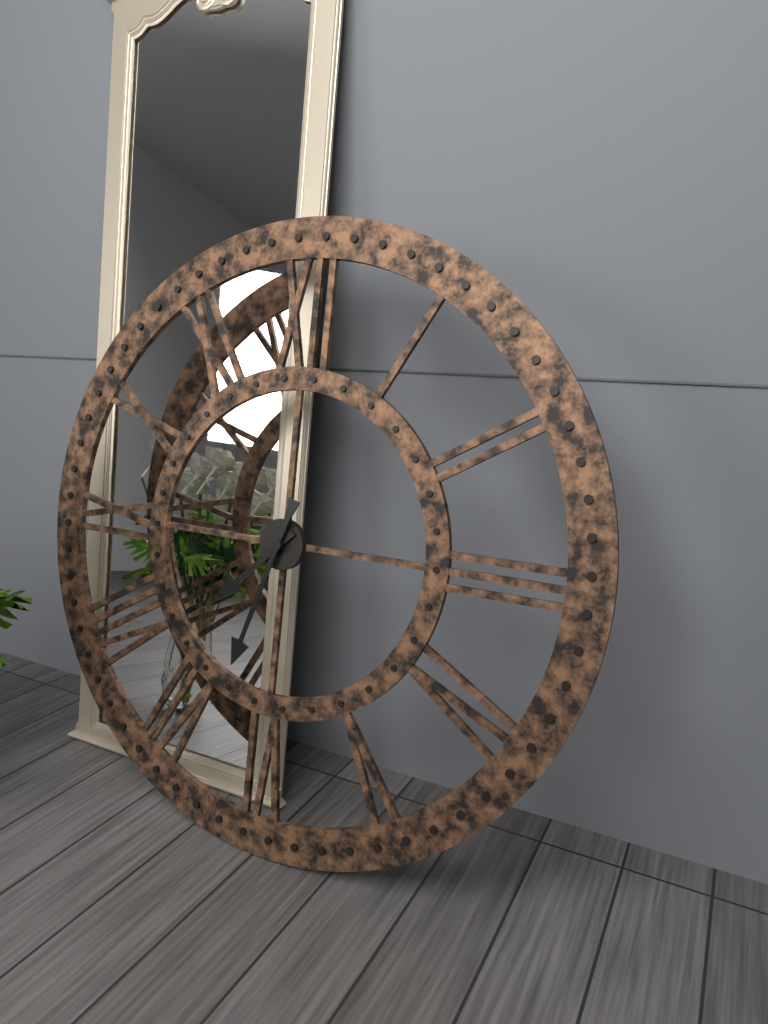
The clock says 7:33
